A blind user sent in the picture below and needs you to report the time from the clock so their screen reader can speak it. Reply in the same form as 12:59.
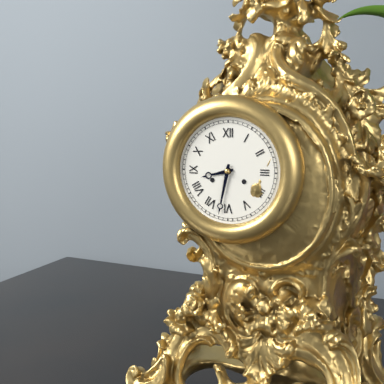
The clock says 8:32
